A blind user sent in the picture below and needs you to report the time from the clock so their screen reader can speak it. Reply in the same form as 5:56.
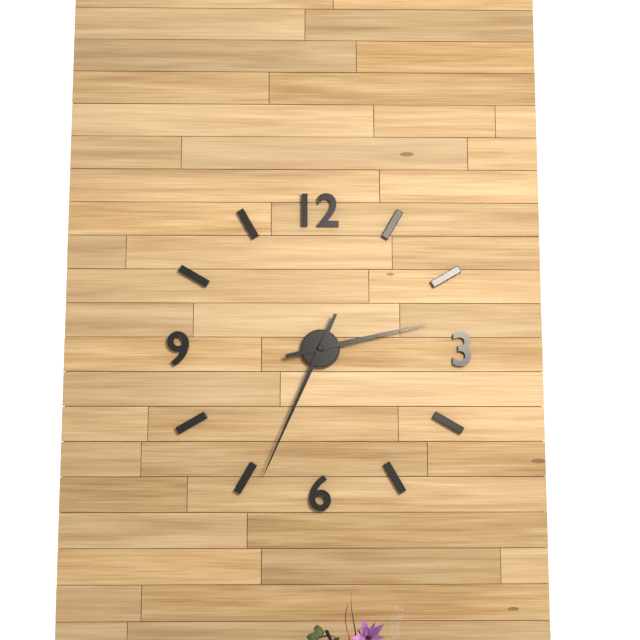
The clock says 2:34
